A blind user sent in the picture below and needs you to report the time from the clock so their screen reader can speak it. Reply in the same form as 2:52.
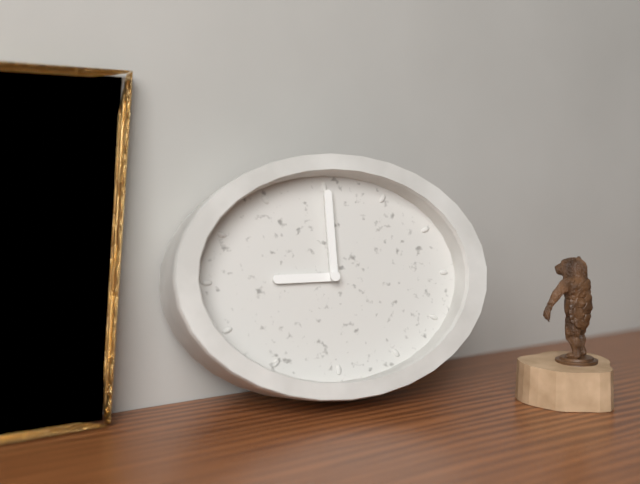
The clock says 9:00
